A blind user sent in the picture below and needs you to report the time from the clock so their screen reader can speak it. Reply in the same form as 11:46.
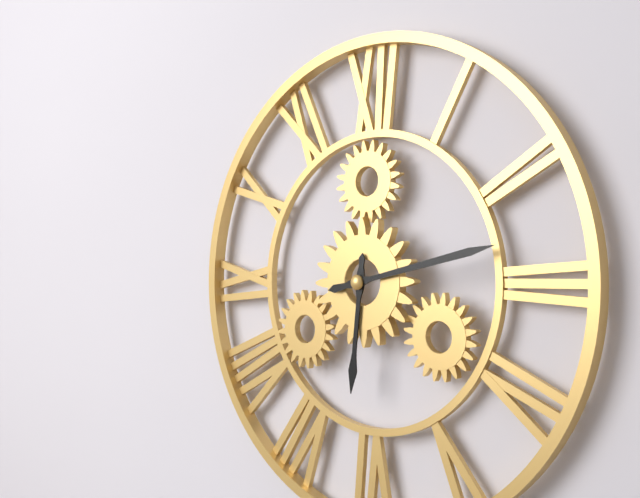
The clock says 6:13
